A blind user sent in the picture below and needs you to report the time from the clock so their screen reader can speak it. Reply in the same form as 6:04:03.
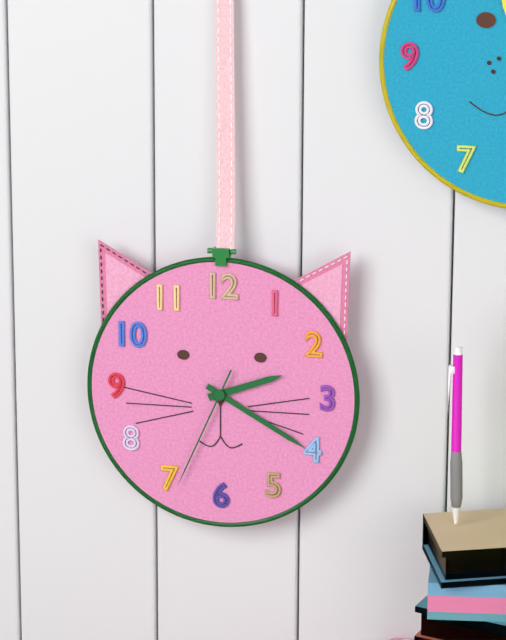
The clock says 2:20:34
